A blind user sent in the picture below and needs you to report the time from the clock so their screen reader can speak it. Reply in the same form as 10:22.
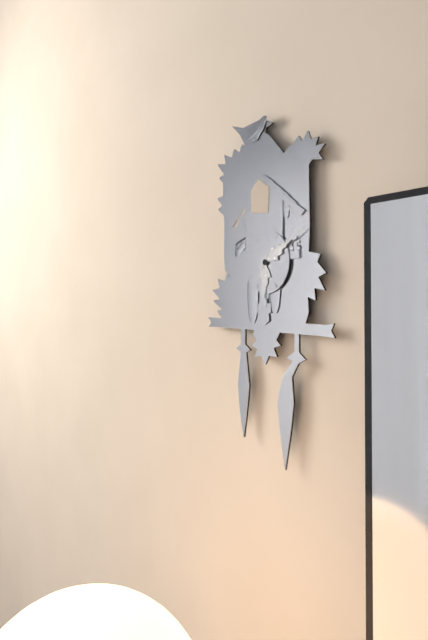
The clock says 6:10
